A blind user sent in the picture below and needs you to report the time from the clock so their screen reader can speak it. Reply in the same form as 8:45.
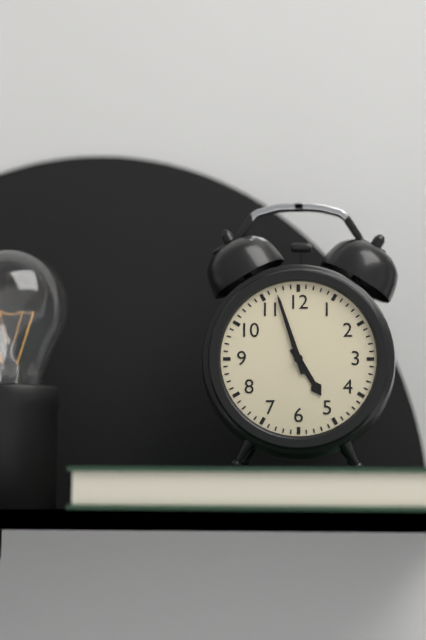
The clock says 4:57
